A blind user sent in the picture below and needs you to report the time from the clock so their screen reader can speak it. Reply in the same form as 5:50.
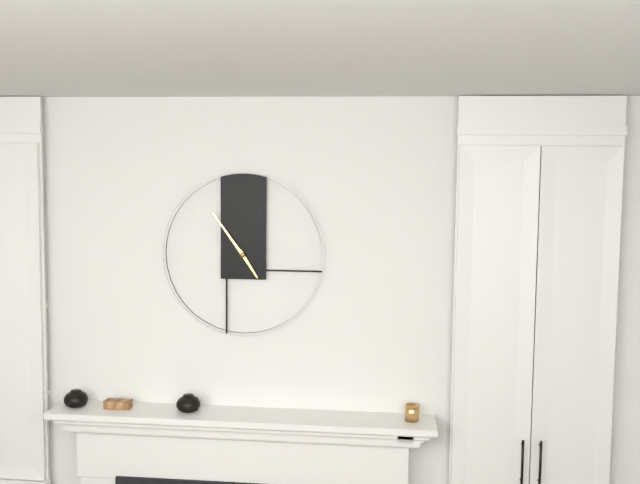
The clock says 4:54
